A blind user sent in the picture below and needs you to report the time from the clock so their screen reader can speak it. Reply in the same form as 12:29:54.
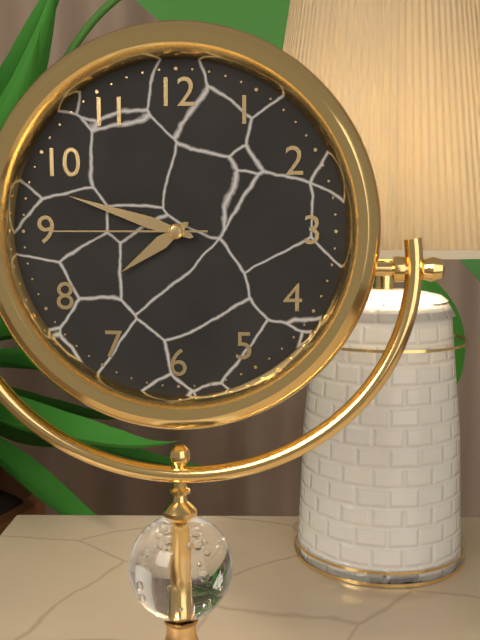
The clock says 7:48:45
